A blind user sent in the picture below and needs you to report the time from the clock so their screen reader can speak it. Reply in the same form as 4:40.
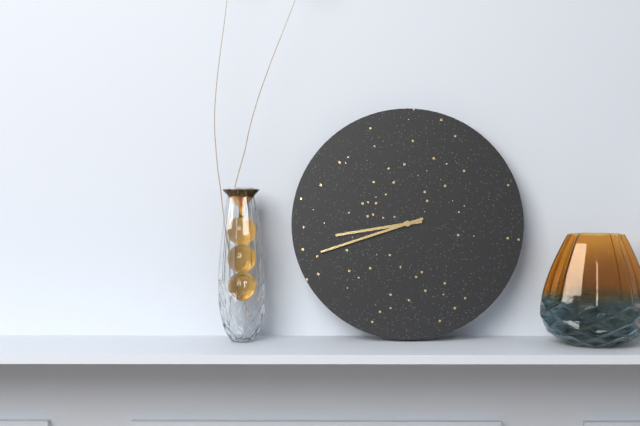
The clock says 8:42
